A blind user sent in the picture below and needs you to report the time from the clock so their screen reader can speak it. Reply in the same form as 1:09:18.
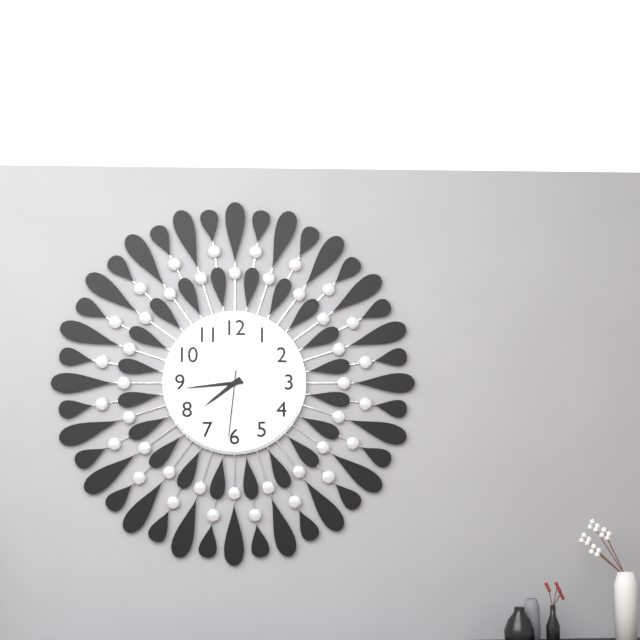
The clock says 7:44:31
